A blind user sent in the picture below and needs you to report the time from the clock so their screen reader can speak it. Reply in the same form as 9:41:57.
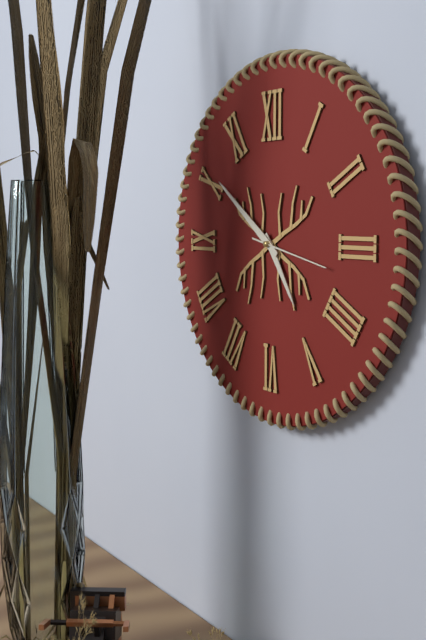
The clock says 4:51:17
